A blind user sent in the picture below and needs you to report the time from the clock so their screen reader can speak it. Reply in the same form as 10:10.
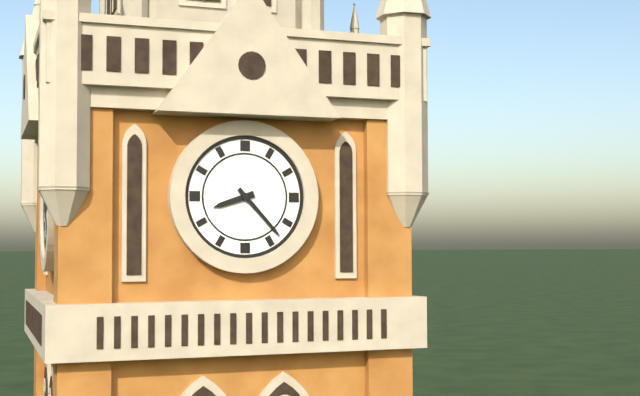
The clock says 8:23
